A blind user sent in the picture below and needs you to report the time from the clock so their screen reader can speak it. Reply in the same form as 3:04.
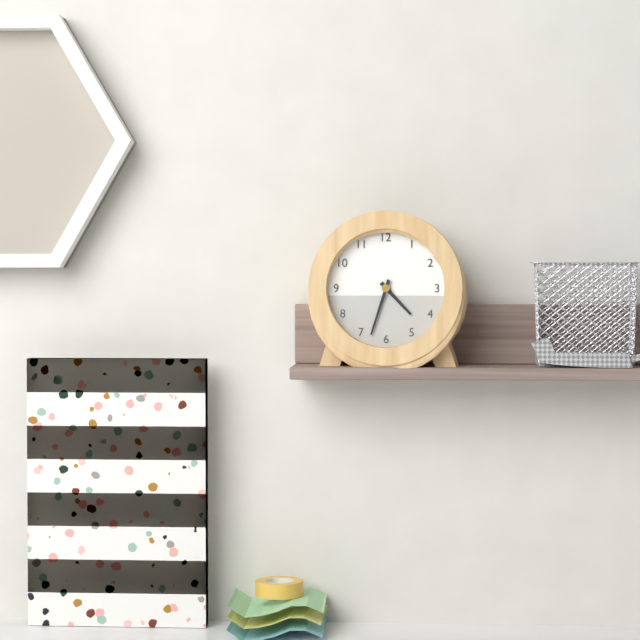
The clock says 4:33
